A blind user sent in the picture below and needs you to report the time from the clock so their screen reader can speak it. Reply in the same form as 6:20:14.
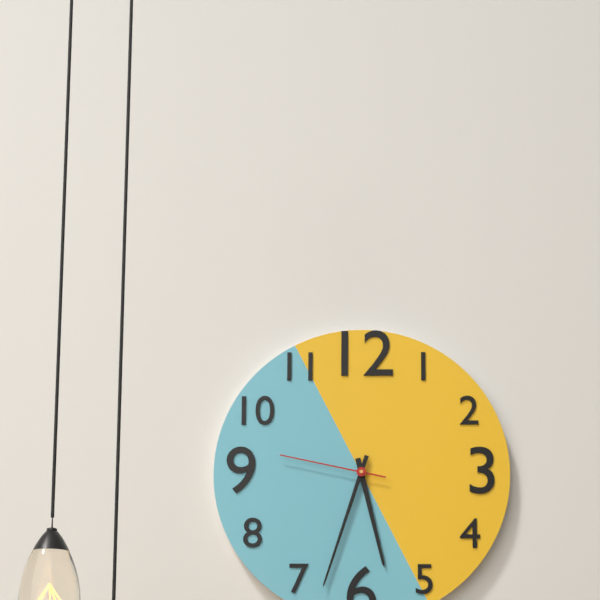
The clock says 5:33:47
